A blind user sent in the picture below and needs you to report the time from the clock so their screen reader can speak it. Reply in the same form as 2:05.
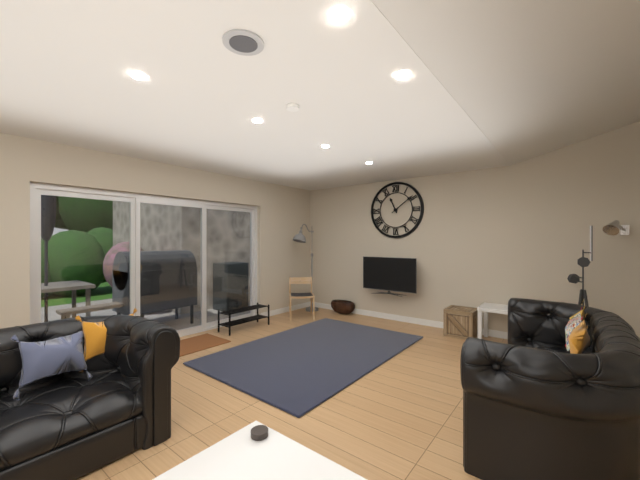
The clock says 11:09
